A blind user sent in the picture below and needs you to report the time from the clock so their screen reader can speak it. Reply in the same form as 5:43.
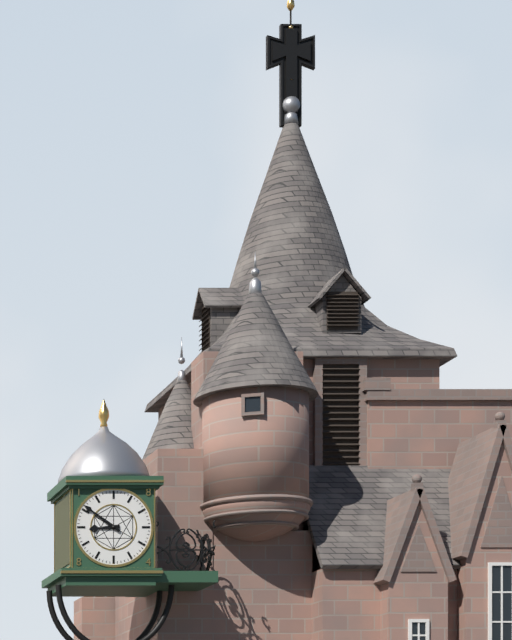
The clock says 8:51
